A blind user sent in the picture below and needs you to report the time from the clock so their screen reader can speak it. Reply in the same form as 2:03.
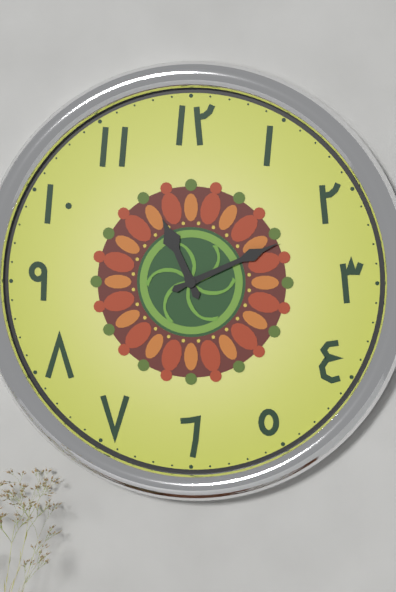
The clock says 11:11
